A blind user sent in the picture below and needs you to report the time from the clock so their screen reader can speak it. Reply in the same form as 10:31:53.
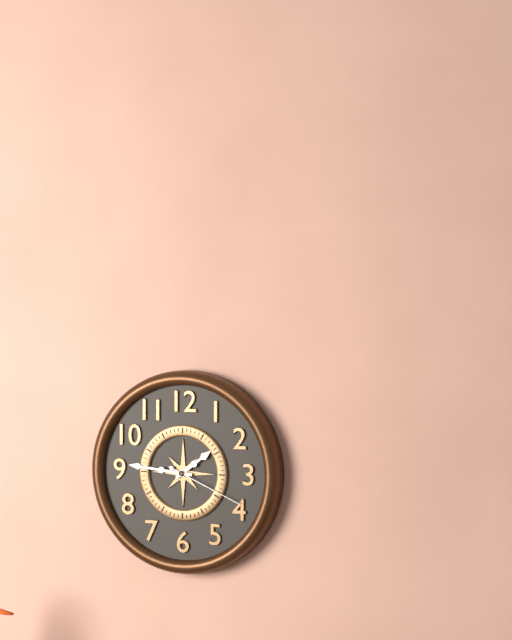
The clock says 1:46:19
